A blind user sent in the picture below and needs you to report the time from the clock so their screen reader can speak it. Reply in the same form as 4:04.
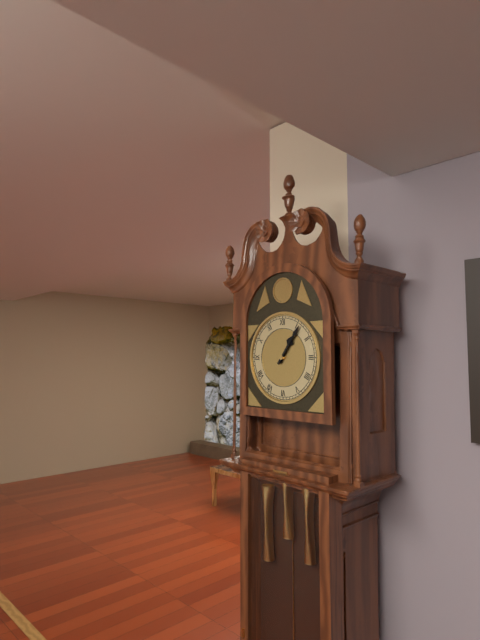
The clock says 1:06
